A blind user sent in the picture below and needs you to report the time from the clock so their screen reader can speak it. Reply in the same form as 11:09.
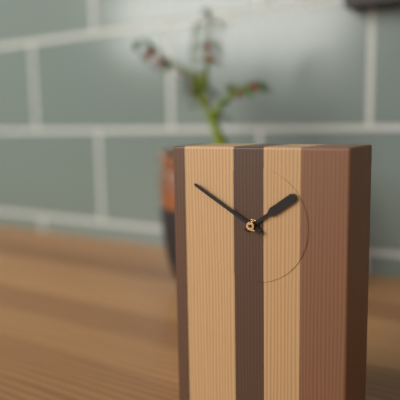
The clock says 1:50
